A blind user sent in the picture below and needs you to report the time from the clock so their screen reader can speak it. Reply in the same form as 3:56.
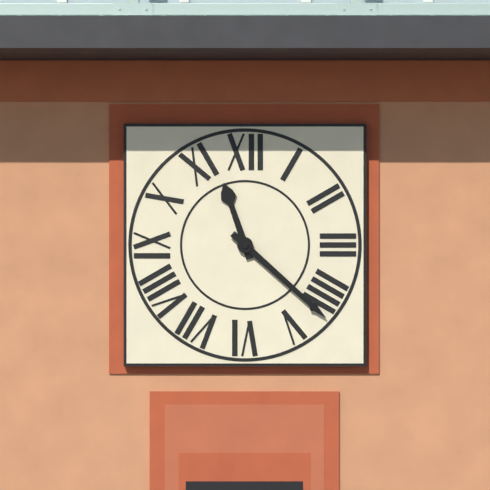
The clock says 11:22
